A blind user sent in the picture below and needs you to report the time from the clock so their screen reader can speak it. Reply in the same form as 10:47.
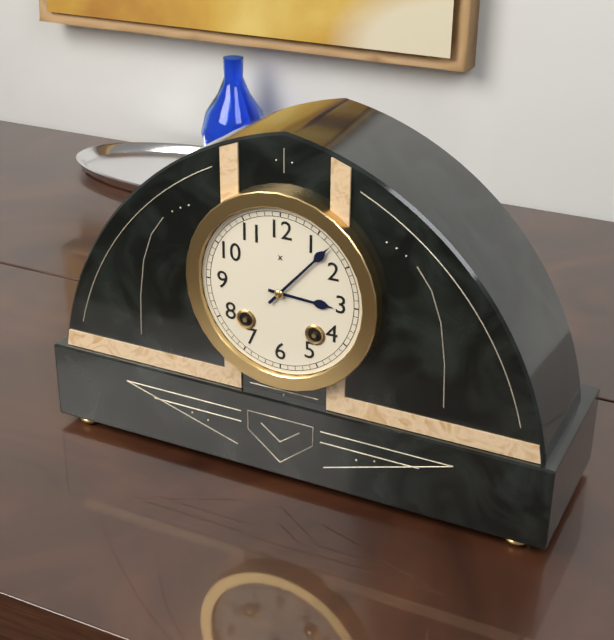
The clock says 3:07
